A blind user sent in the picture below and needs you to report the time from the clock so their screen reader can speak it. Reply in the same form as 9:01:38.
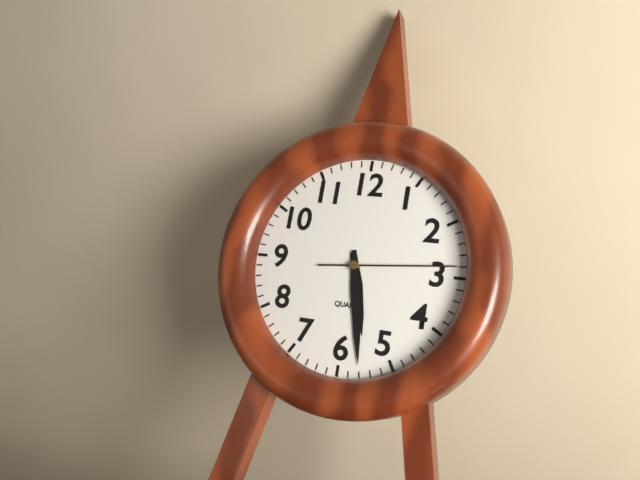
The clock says 5:28:14
